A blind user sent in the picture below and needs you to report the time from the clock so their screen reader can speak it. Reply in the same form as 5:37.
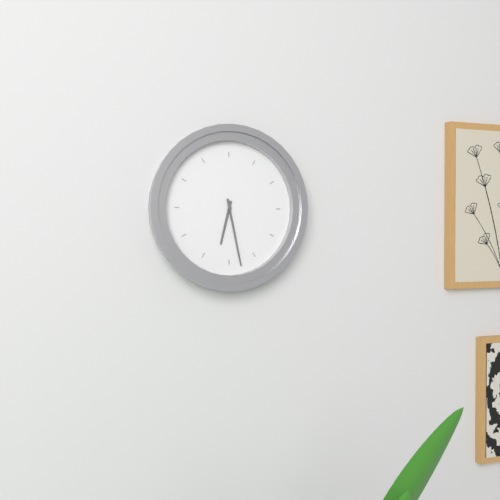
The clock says 6:28
